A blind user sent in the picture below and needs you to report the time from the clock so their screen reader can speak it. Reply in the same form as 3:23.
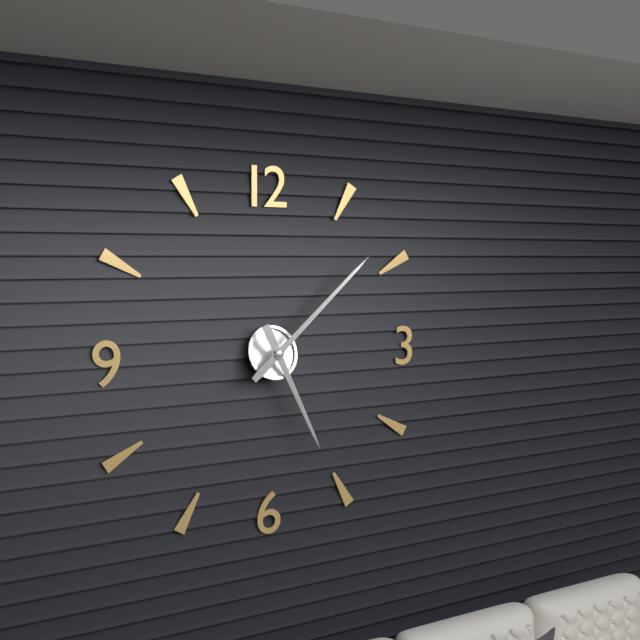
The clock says 5:08
